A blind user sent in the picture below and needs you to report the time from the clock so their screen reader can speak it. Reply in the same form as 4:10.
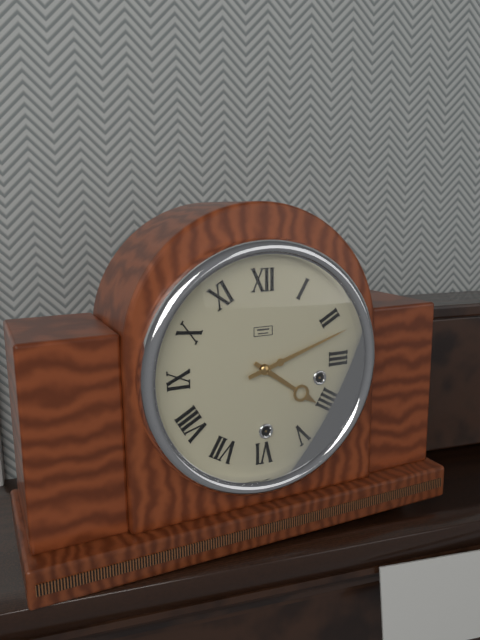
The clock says 4:12
